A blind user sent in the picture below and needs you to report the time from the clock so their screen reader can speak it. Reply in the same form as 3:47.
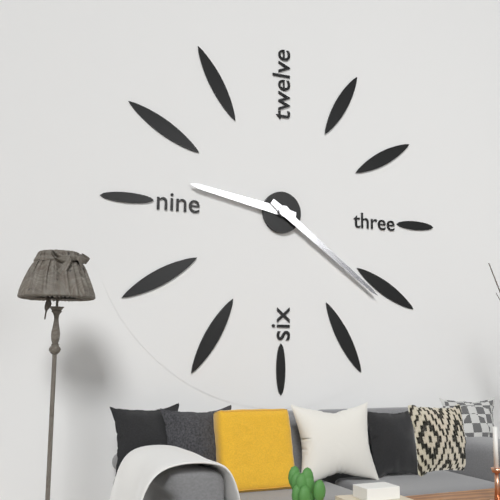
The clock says 9:21
